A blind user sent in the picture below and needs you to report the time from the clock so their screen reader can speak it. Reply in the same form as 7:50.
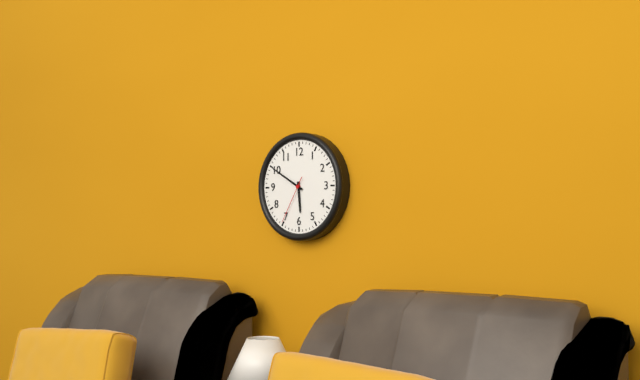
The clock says 5:50
